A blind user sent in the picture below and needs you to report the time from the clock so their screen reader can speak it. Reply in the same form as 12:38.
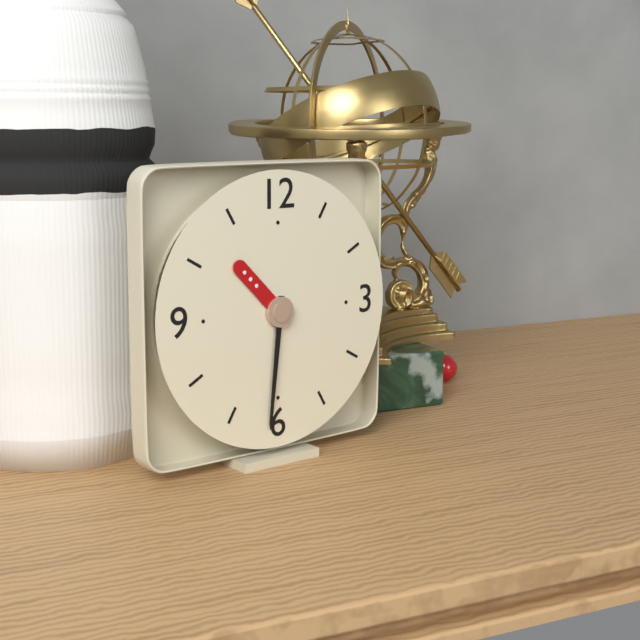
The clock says 10:31
